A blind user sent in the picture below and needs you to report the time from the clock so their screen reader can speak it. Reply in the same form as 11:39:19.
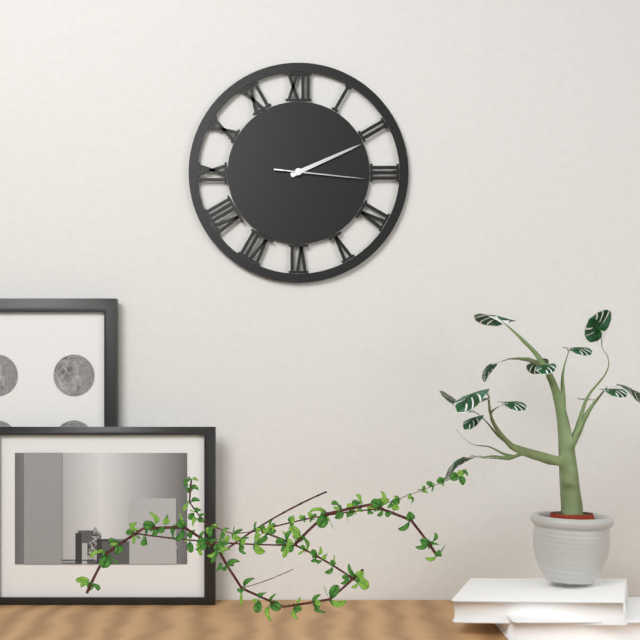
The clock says 2:11:16
